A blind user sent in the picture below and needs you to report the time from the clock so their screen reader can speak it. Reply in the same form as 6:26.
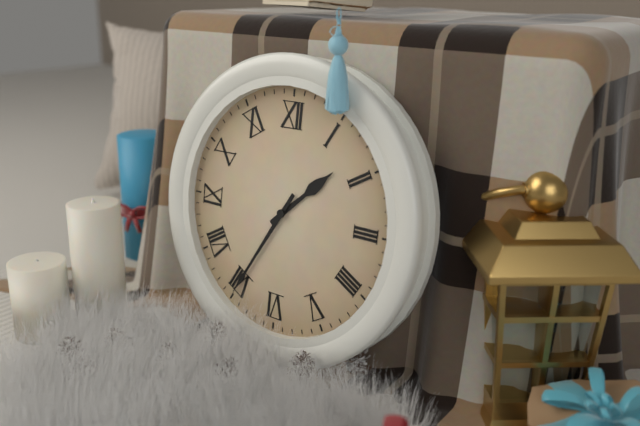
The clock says 1:35
